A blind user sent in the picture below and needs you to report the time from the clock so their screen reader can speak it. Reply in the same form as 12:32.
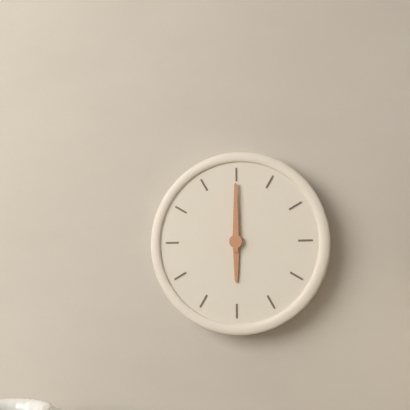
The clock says 6:00
